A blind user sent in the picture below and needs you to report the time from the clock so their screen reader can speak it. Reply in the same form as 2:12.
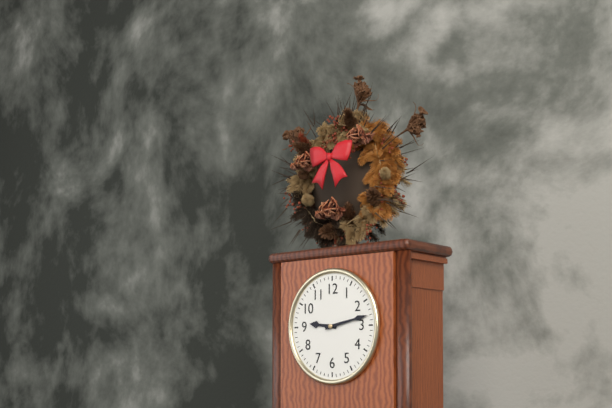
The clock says 9:13
